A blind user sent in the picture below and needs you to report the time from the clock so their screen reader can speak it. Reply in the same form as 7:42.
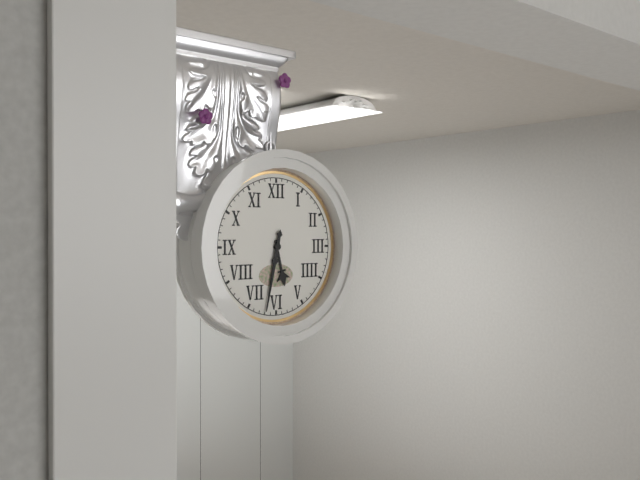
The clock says 5:32
